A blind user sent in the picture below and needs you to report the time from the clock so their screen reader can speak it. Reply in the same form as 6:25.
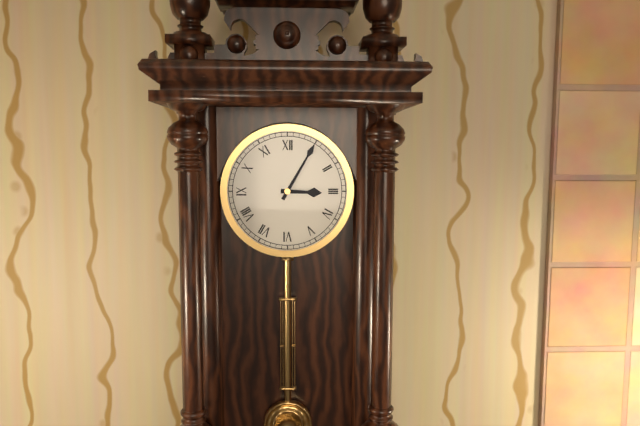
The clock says 3:05
